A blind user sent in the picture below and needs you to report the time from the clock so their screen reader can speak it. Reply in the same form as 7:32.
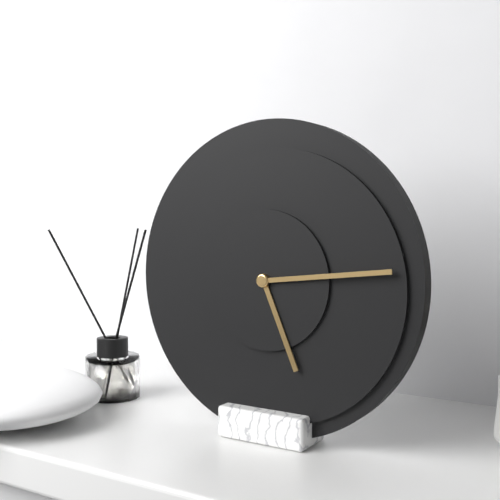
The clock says 5:14
